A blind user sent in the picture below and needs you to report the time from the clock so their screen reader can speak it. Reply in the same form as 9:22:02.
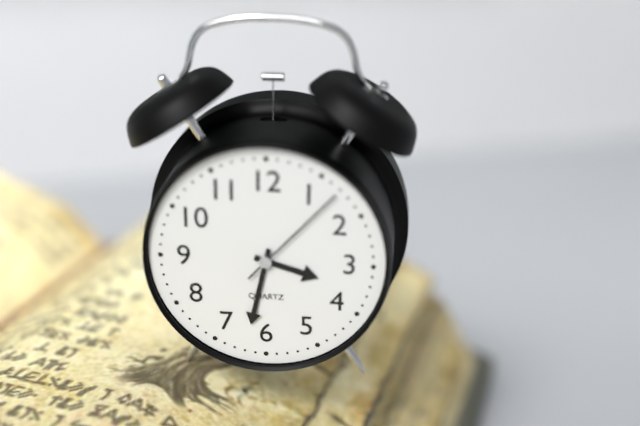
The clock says 3:32:07
